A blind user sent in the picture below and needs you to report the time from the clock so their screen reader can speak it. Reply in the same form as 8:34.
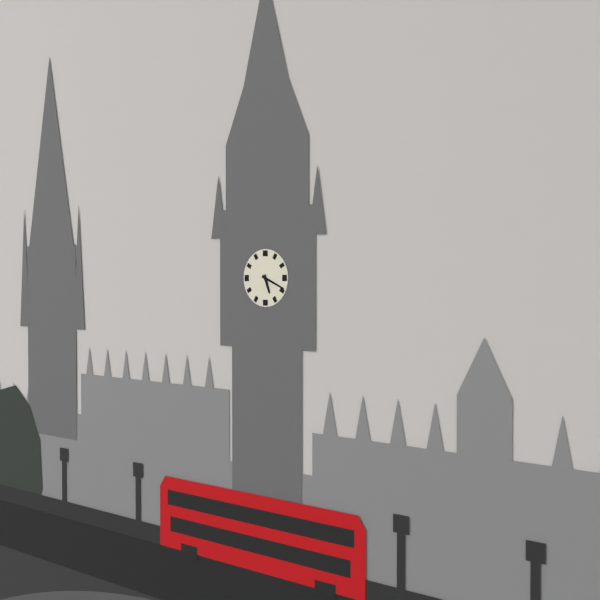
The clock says 5:19
